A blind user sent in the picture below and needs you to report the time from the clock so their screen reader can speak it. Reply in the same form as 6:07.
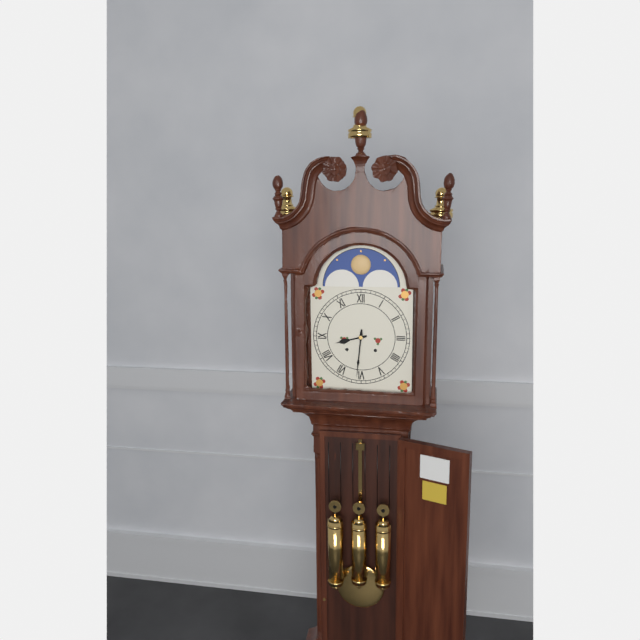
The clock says 8:31
